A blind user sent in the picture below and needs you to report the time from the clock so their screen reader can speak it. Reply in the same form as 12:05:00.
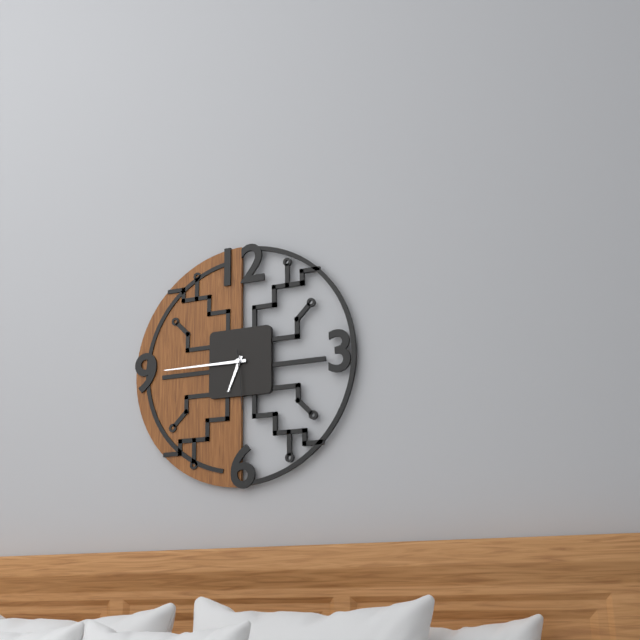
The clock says 6:45:29
